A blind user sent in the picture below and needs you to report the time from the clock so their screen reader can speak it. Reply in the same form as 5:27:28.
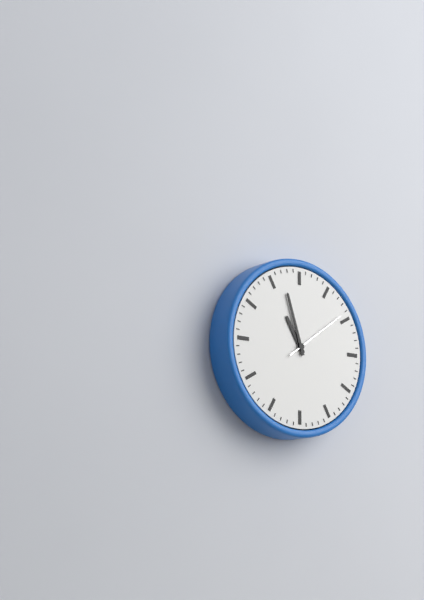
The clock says 10:57:09
